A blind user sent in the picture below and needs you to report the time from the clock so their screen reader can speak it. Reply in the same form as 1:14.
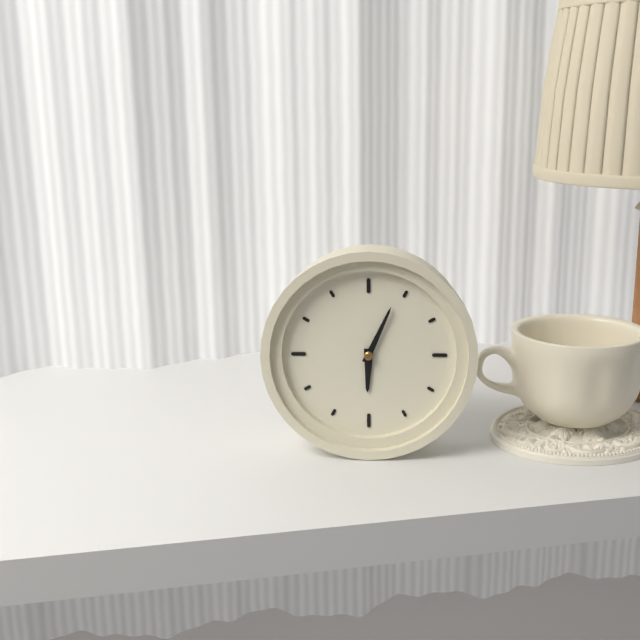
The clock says 6:04
